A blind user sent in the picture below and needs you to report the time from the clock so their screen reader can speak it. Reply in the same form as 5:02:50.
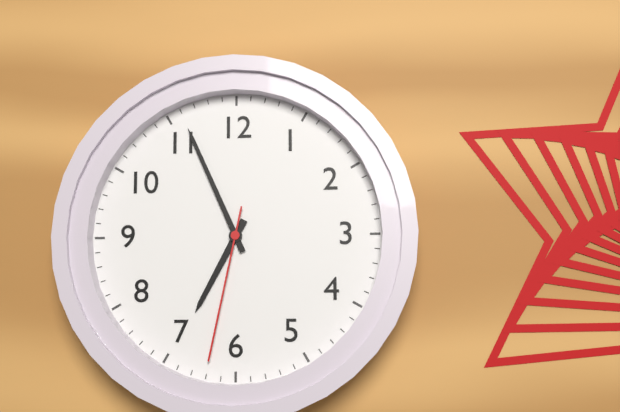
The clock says 6:56:32
